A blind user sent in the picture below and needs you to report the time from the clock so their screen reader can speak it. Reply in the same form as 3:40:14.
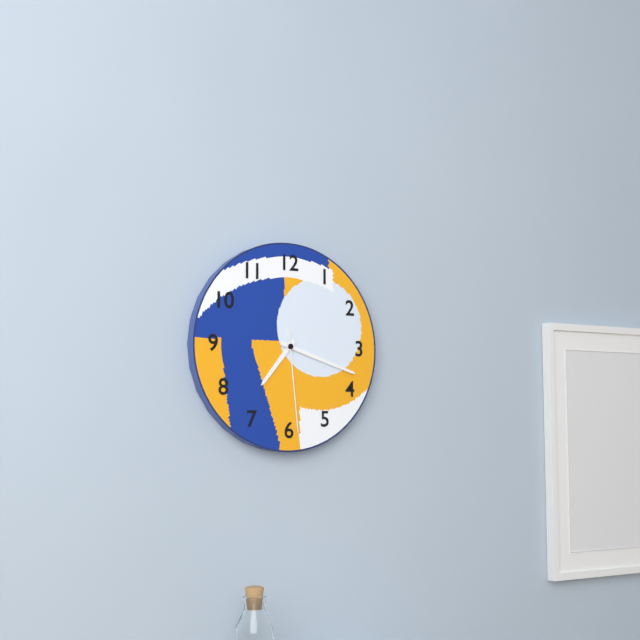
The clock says 7:18:29
